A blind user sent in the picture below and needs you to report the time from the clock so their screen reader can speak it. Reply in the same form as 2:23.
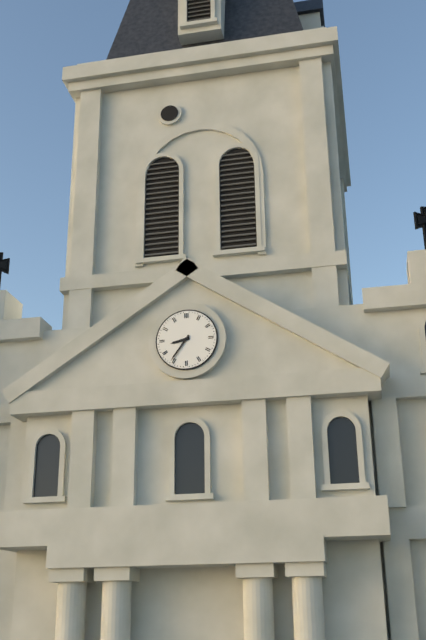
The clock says 8:36
